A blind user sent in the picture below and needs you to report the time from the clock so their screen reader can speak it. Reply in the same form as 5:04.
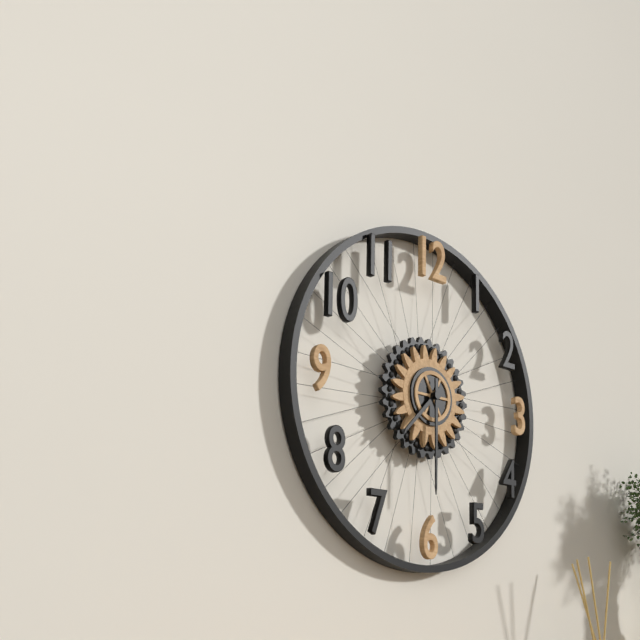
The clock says 7:30
